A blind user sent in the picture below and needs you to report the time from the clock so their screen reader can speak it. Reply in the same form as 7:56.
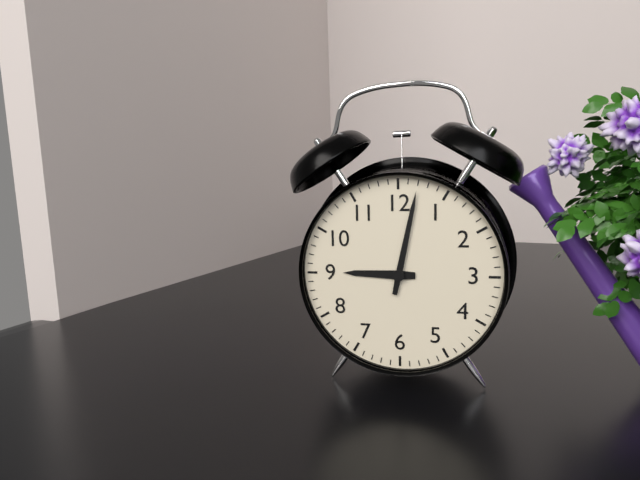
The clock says 9:02
